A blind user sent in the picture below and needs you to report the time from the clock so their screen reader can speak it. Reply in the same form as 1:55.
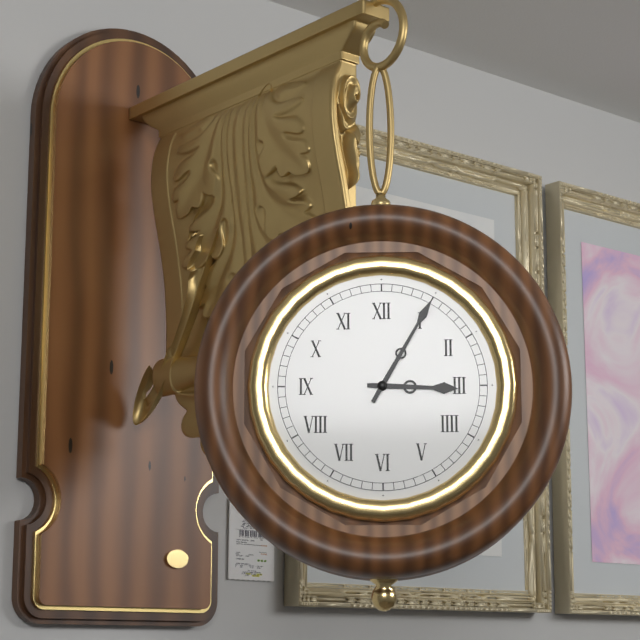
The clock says 3:05
